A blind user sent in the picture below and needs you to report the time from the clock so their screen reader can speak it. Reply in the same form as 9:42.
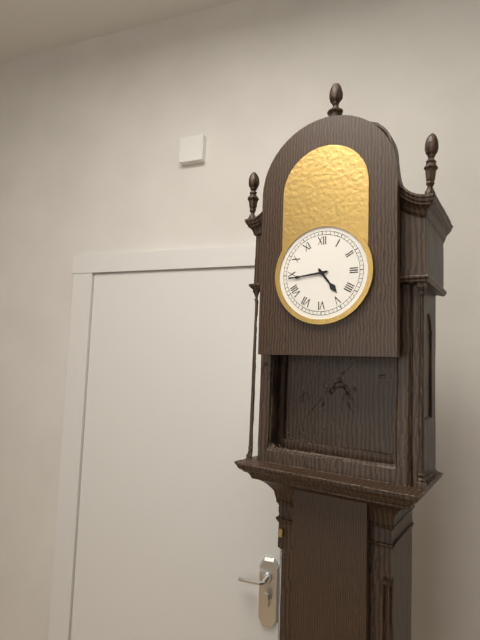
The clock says 4:44
